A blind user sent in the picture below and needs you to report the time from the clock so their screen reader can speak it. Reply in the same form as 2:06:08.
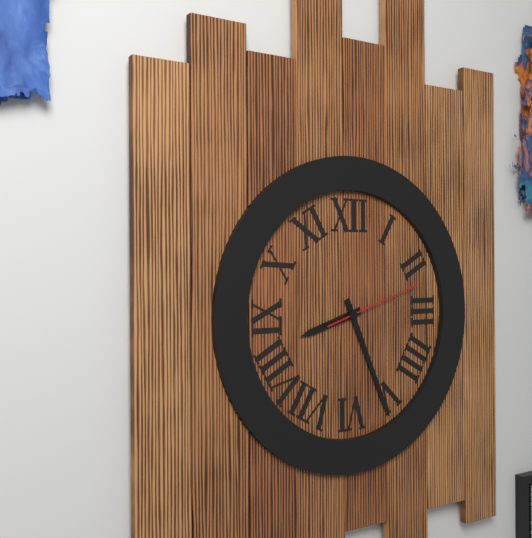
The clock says 8:26:12
